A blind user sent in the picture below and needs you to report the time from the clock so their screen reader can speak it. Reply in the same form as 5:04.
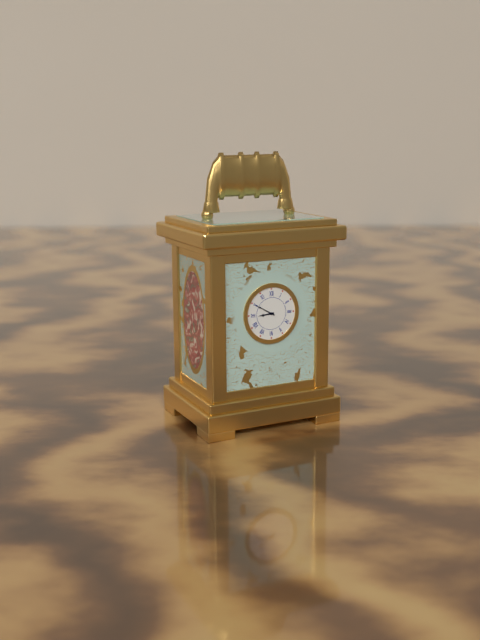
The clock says 8:50
